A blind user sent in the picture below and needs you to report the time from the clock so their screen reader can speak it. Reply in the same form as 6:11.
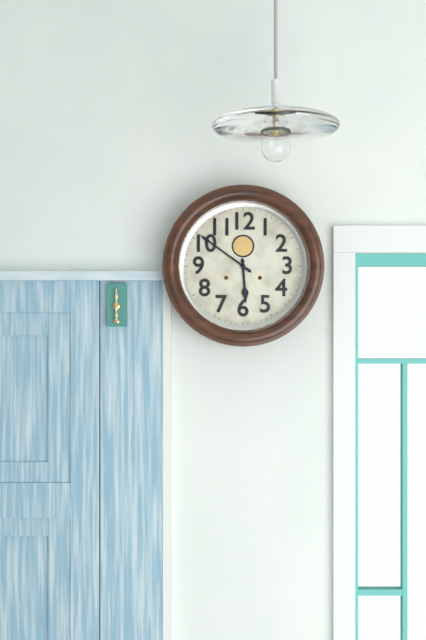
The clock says 5:51
